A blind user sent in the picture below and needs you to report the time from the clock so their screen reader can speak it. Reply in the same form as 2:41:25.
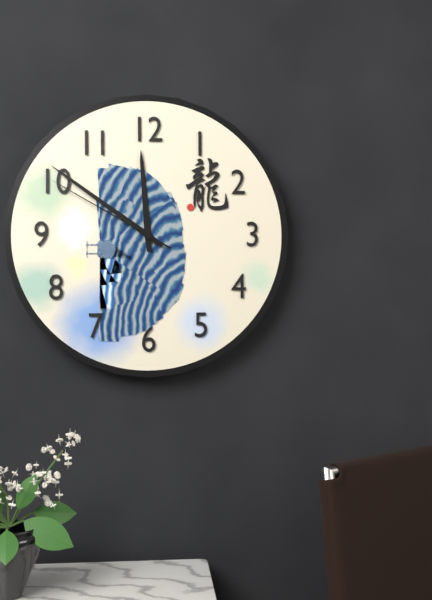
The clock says 11:51:50
